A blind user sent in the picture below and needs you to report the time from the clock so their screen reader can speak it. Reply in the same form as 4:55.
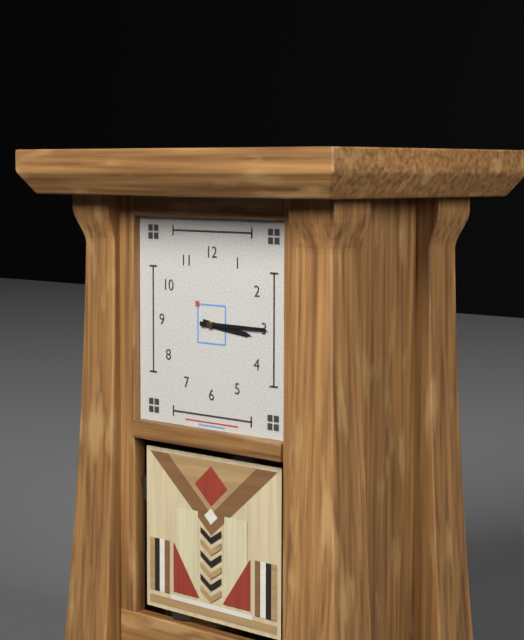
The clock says 3:15
